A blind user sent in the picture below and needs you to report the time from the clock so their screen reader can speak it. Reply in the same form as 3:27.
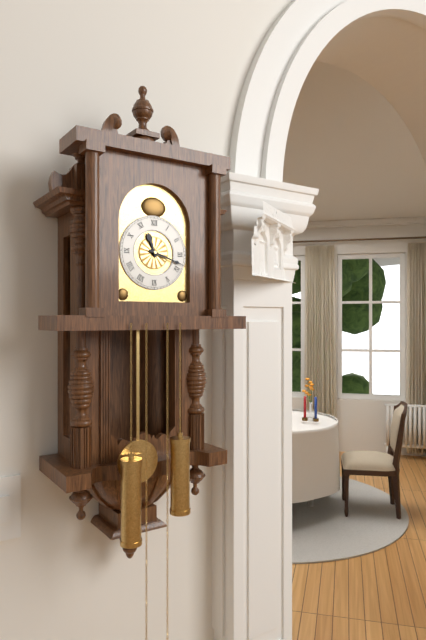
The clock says 11:18
